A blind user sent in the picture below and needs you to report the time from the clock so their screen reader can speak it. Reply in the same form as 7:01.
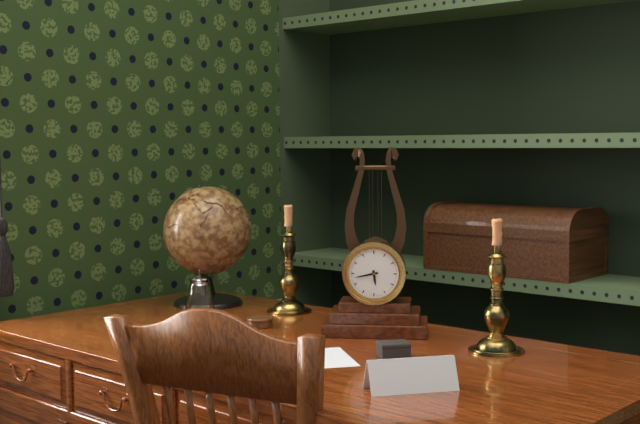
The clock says 5:43
